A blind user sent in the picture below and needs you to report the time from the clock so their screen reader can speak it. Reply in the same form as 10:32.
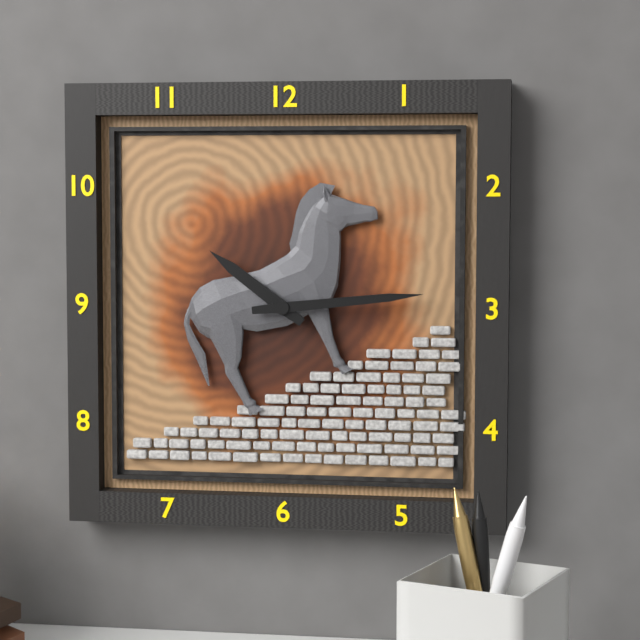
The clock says 10:14
